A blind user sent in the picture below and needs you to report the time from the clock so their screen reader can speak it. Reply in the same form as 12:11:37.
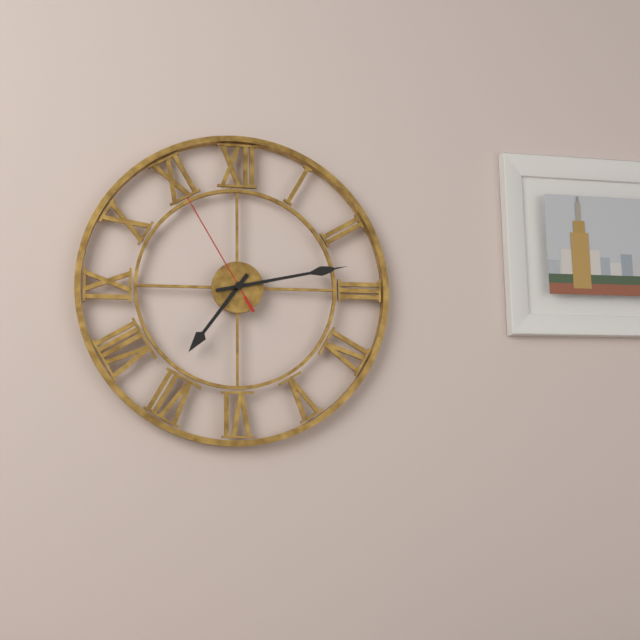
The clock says 7:13:55
